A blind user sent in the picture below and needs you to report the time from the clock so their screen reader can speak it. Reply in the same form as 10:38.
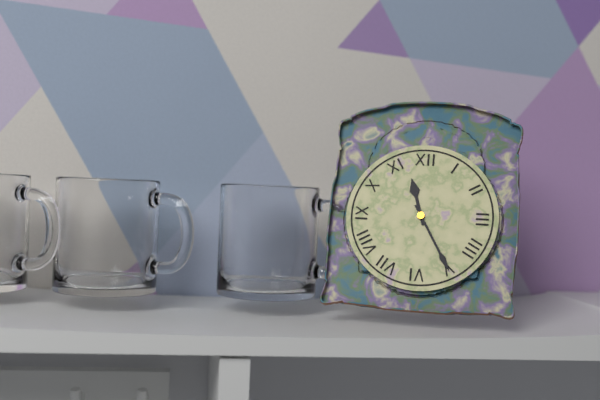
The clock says 11:25
